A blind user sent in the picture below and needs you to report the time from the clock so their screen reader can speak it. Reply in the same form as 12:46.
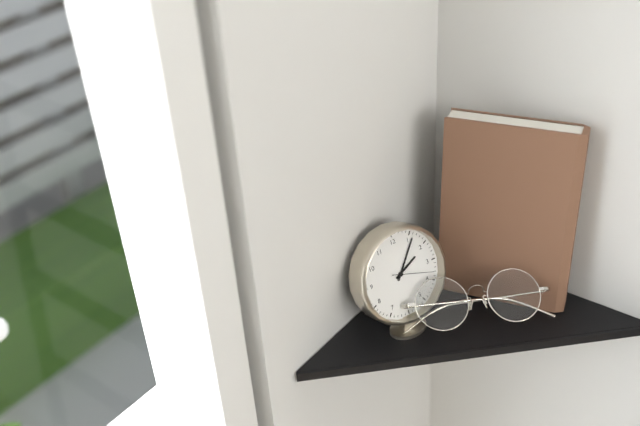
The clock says 2:06
